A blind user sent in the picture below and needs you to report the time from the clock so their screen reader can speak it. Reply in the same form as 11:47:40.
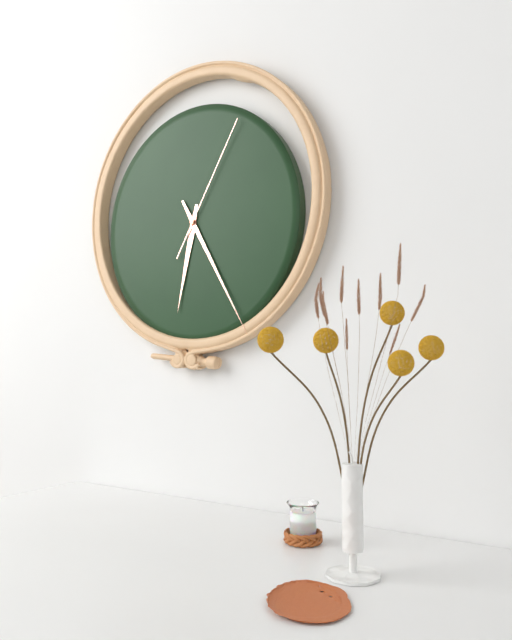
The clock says 6:25:05
